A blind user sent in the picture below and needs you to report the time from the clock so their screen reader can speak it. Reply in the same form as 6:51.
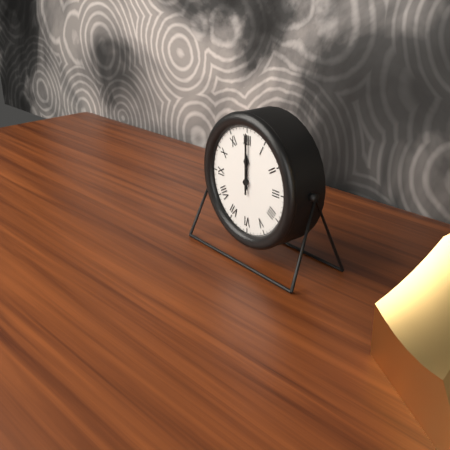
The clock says 12:00
